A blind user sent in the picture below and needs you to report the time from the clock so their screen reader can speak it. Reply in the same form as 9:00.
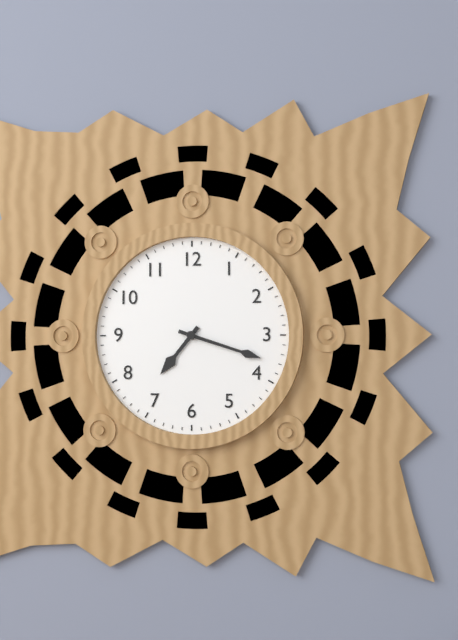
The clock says 7:18
